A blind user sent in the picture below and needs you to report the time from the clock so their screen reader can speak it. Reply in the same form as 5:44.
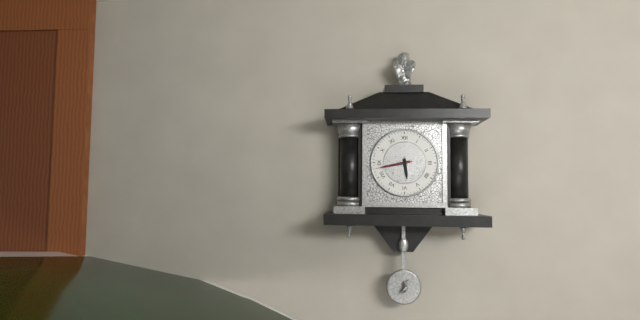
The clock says 5:43
